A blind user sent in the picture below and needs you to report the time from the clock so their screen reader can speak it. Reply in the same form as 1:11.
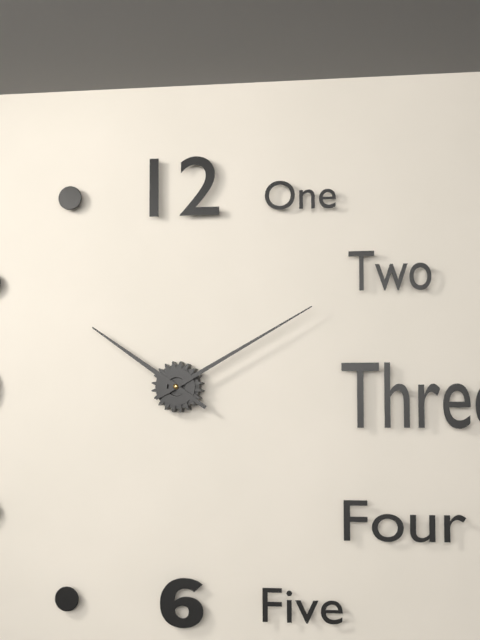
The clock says 10:10
